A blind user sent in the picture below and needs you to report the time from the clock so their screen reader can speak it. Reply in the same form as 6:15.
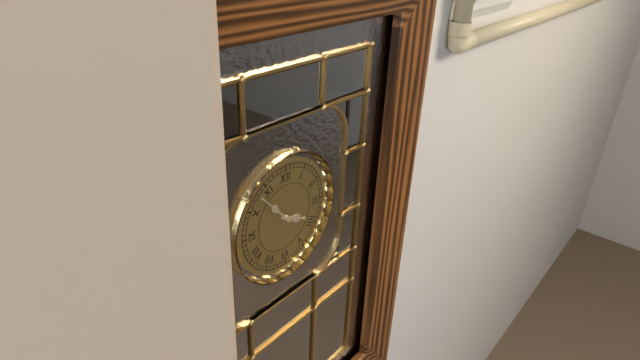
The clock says 3:53
